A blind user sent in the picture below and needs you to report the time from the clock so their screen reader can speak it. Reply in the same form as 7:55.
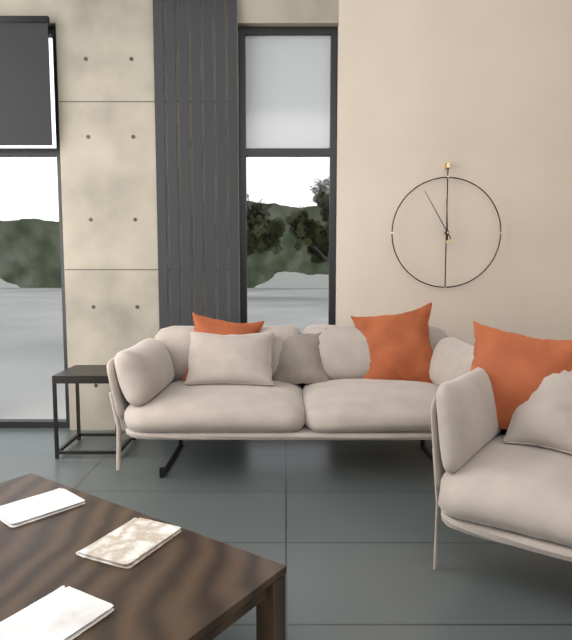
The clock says 11:55
